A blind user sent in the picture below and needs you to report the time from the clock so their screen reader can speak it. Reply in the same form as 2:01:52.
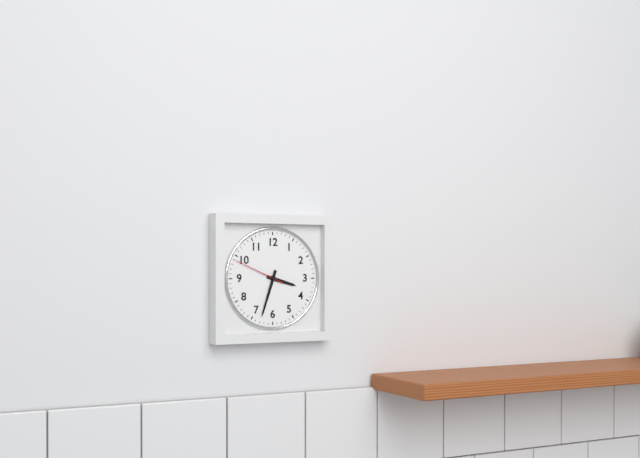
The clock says 3:33:49
